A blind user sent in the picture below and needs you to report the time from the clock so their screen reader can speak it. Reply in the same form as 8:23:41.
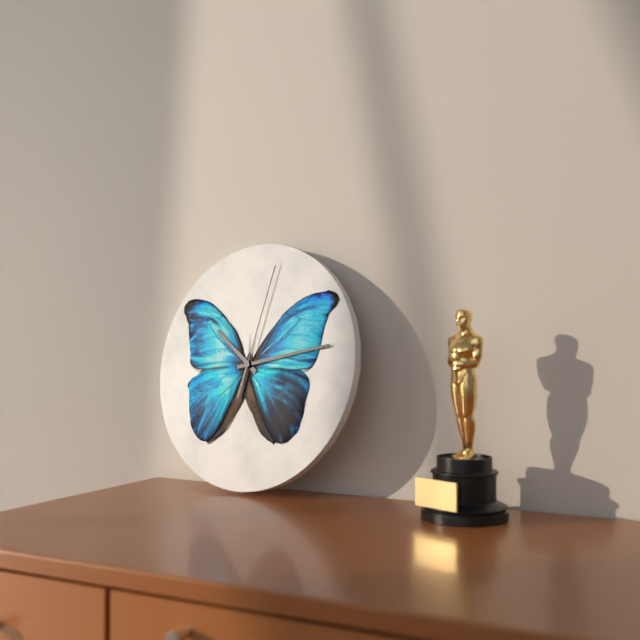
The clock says 10:13:02
